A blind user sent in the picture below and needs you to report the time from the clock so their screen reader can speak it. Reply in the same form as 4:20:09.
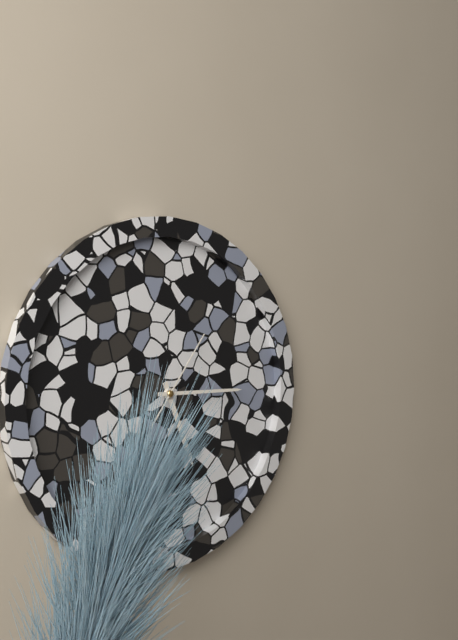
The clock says 5:15:06
